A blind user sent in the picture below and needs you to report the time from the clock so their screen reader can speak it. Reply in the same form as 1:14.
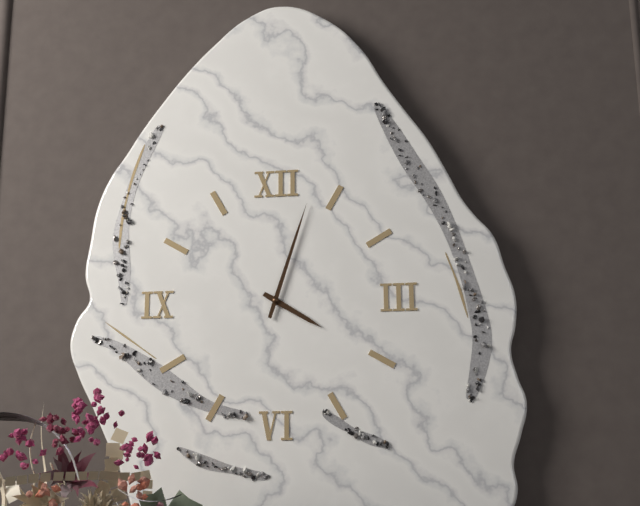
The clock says 4:03
